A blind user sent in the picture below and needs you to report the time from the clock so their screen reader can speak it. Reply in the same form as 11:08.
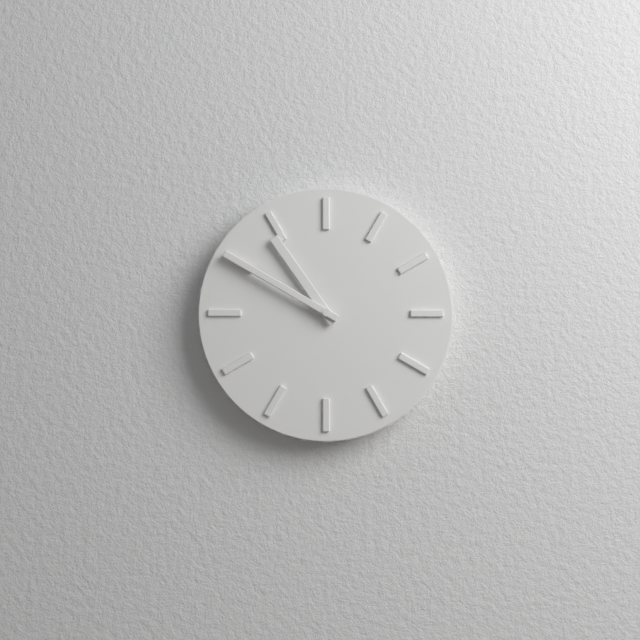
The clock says 10:50
